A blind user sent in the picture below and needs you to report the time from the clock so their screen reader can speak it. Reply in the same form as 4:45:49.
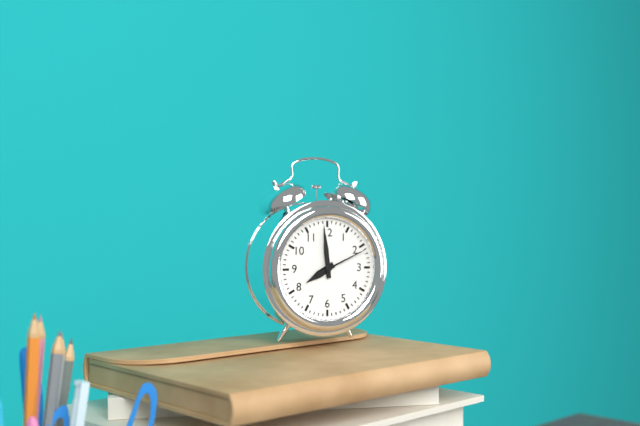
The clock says 7:59:11
